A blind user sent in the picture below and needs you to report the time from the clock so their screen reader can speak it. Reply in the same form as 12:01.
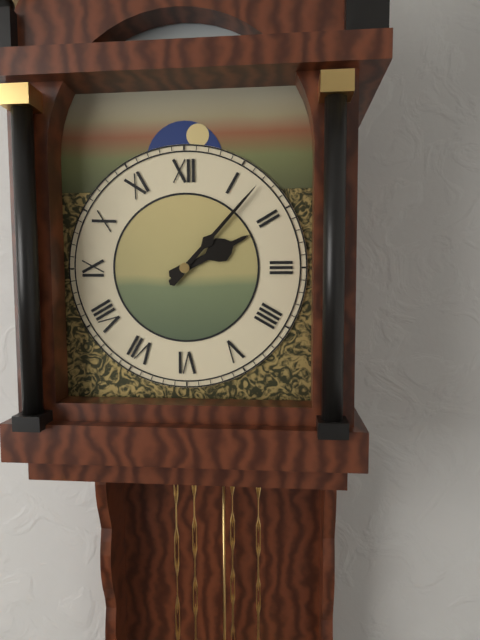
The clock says 2:07
